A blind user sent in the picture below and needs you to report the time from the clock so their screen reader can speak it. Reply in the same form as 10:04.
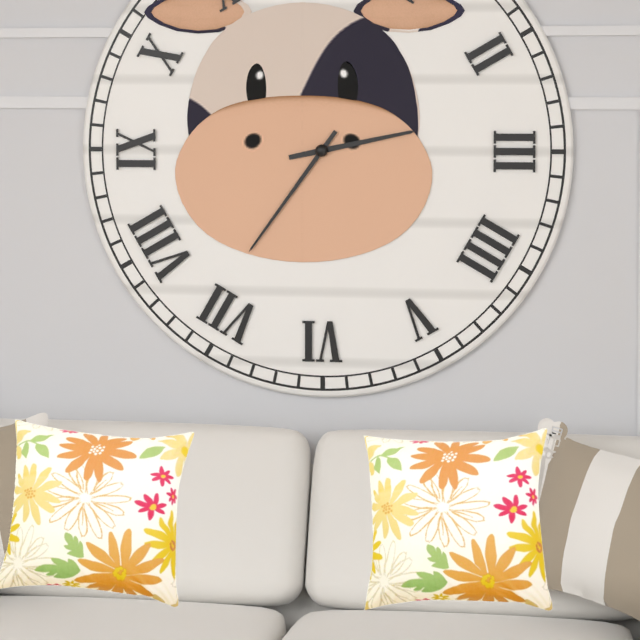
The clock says 2:36
